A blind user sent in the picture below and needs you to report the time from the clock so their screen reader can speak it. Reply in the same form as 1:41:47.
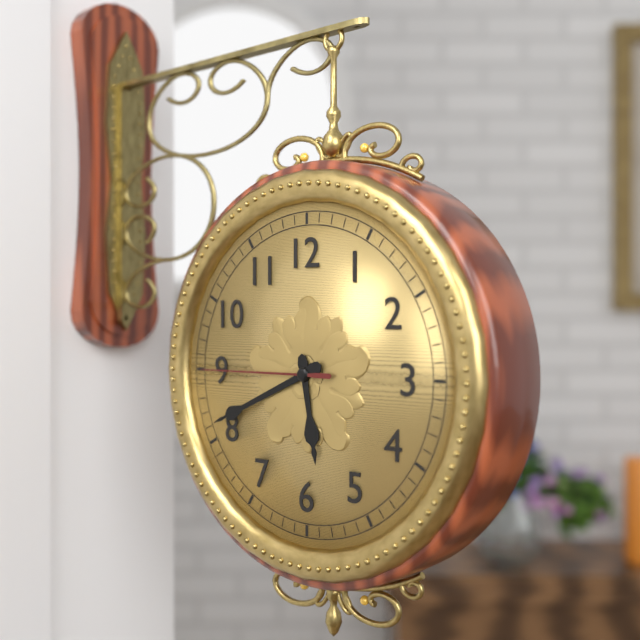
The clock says 5:41:45
